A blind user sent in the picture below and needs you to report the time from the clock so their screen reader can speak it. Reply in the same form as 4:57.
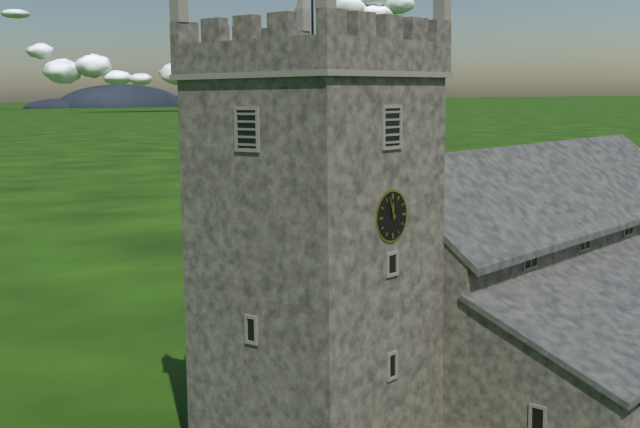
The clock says 11:57
